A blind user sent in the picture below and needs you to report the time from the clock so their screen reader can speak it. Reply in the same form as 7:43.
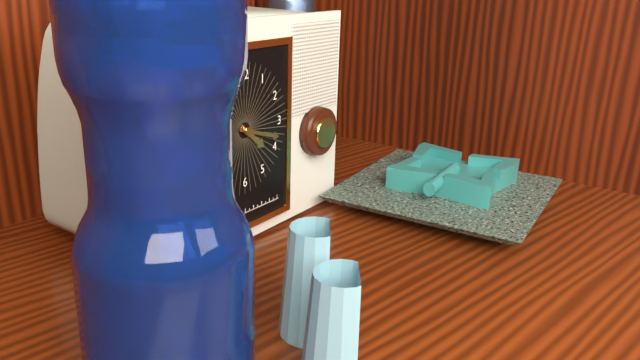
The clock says 4:18
